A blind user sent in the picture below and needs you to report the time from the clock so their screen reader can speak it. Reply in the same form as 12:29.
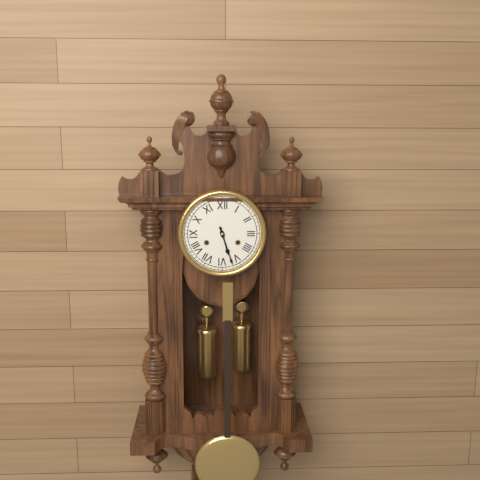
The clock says 5:27
